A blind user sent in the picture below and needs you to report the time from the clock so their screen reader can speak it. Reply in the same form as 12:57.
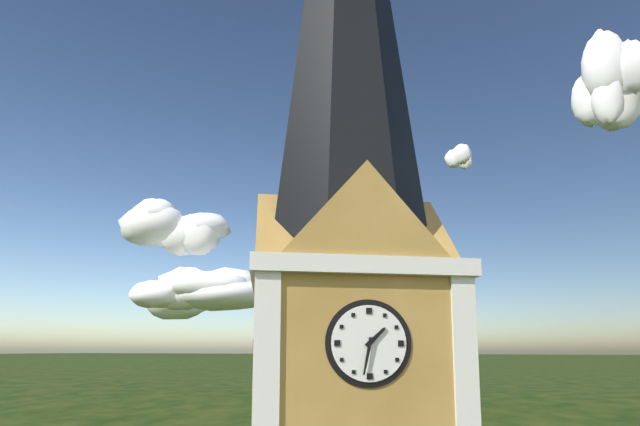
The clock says 1:32
